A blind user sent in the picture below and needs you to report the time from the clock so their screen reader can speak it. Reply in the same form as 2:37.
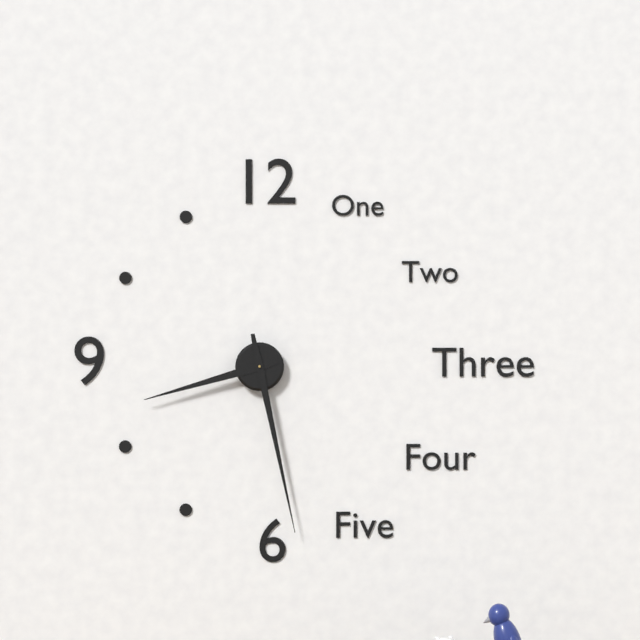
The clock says 8:28
